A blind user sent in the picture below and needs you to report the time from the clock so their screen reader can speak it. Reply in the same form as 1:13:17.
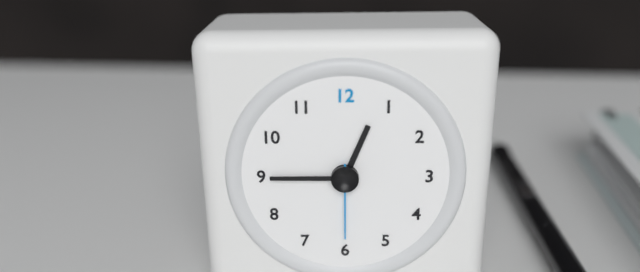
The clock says 12:45:30
